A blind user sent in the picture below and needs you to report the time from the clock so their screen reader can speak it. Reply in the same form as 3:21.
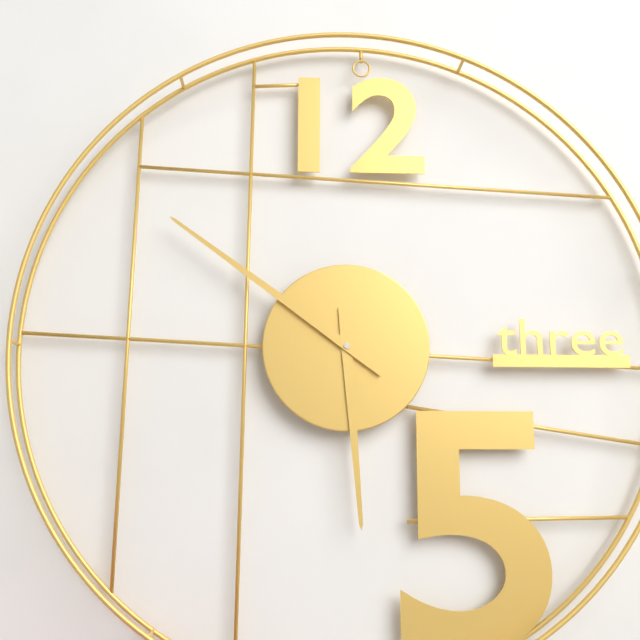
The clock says 5:51
